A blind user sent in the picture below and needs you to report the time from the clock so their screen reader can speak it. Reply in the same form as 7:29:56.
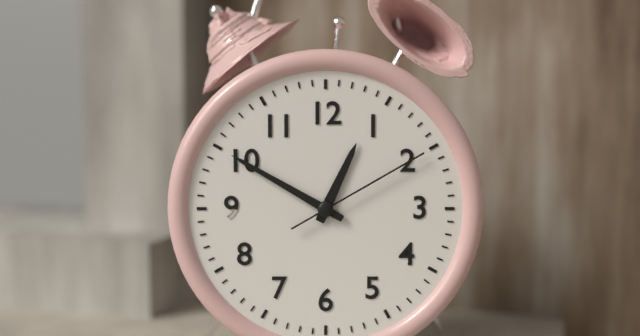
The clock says 12:50:10
